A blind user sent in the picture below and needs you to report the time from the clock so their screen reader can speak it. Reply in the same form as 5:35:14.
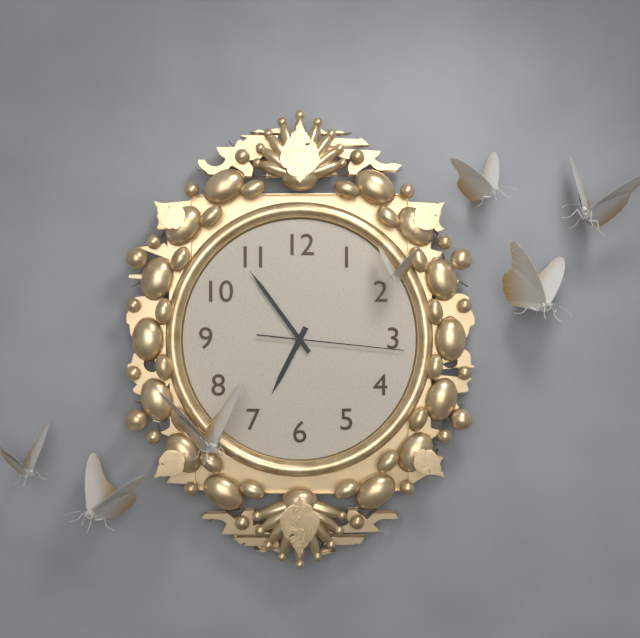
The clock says 6:54:16
